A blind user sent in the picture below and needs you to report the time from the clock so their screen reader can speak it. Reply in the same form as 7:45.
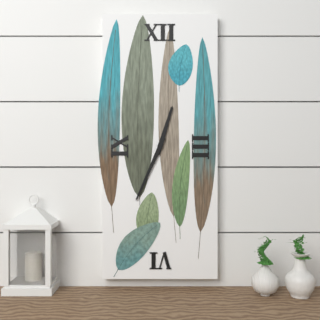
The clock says 12:34
